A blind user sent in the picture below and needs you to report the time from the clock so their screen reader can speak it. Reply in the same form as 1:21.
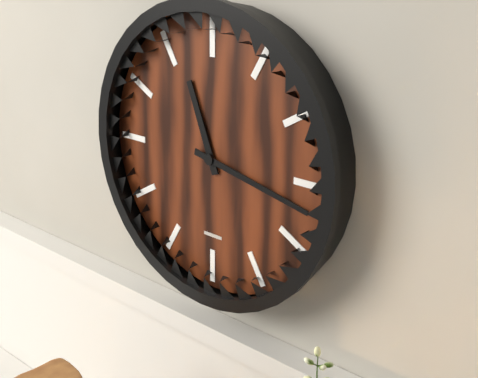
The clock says 11:17
